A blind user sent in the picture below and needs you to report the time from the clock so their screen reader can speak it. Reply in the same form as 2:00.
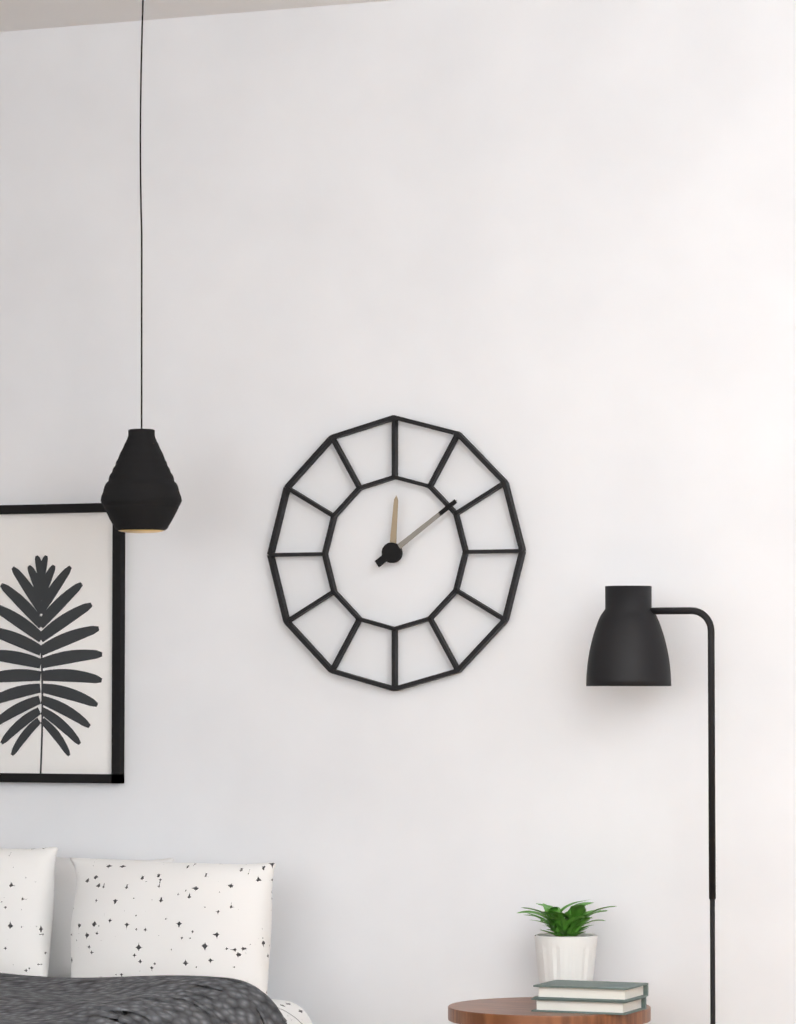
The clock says 12:09
